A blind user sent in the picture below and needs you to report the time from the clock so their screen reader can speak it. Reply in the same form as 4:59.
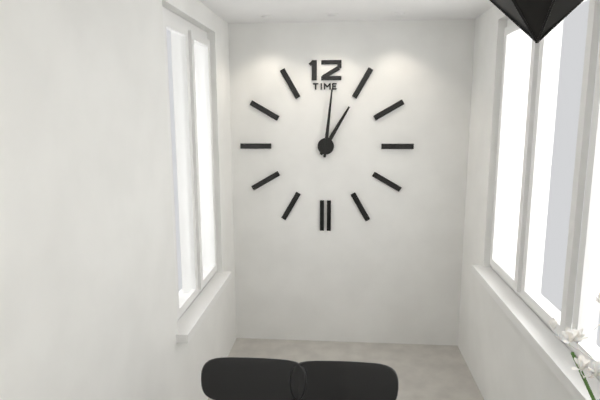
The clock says 1:01
